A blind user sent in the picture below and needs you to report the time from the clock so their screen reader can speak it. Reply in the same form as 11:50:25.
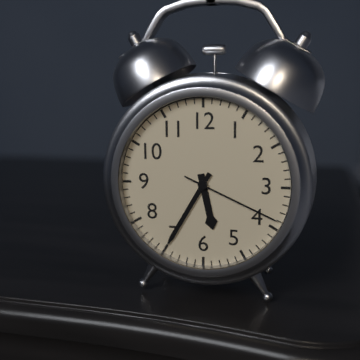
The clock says 5:35:19
